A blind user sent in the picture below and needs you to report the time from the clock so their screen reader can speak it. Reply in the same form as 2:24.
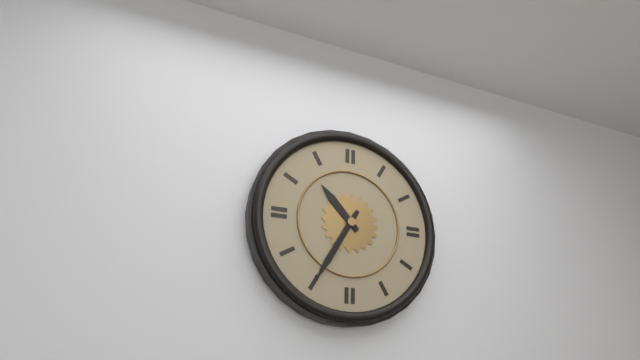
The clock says 10:35
